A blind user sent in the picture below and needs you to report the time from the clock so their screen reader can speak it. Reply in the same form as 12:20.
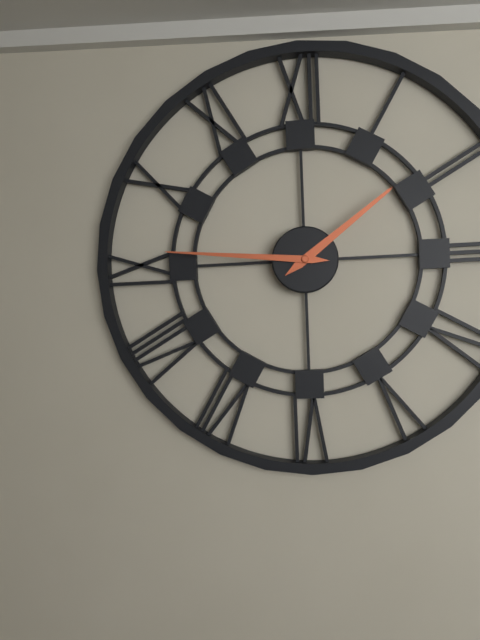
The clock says 1:46
